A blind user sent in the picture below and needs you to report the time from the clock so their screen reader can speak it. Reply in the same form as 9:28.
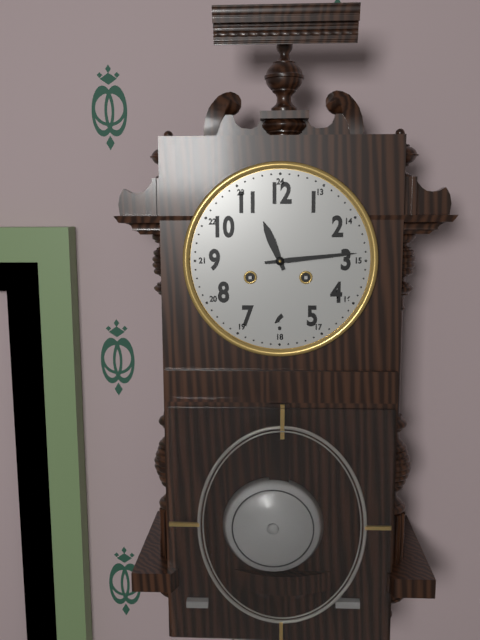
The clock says 11:14
